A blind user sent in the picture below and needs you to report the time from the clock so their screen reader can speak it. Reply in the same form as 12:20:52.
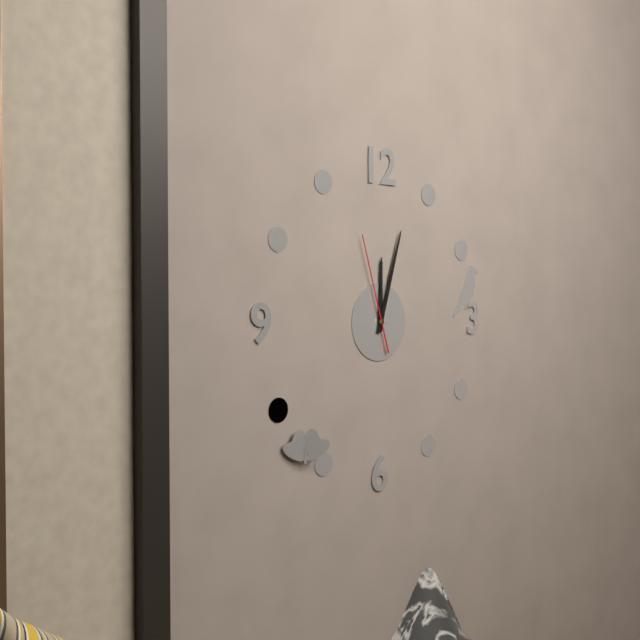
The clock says 12:03:57
